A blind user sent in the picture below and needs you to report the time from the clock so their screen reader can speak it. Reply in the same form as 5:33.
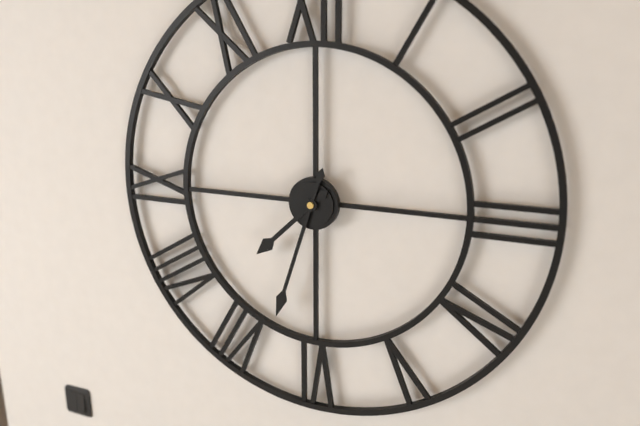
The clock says 7:33
